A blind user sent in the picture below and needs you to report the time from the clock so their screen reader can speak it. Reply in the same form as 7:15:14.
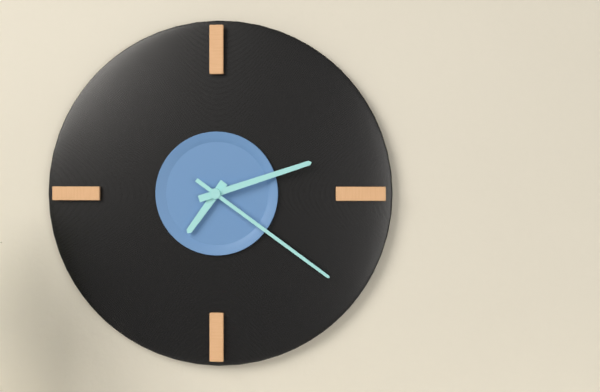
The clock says 7:12:21
